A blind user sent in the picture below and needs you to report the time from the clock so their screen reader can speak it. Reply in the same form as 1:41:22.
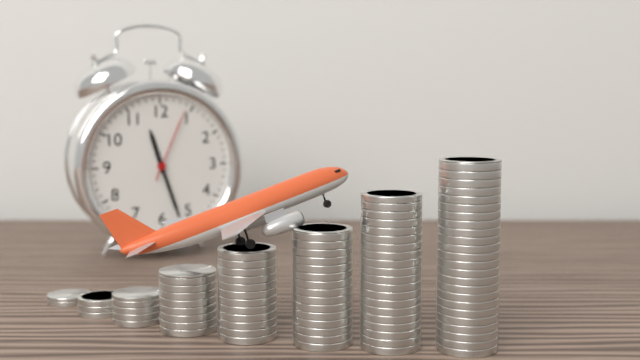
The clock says 11:27:04
